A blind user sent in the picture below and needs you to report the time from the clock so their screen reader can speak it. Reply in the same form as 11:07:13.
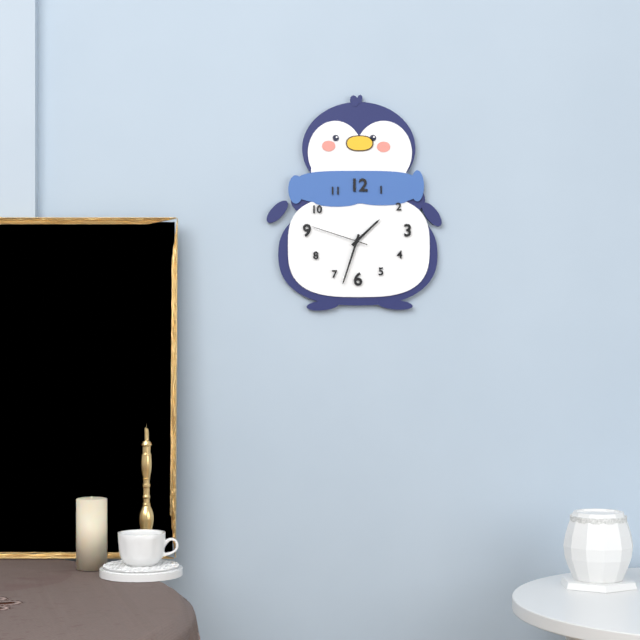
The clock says 1:33:48
